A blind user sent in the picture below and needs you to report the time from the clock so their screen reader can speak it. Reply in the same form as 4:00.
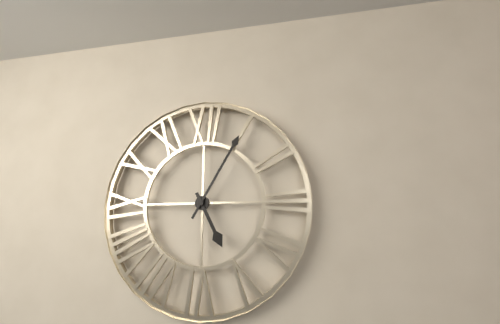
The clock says 5:05
